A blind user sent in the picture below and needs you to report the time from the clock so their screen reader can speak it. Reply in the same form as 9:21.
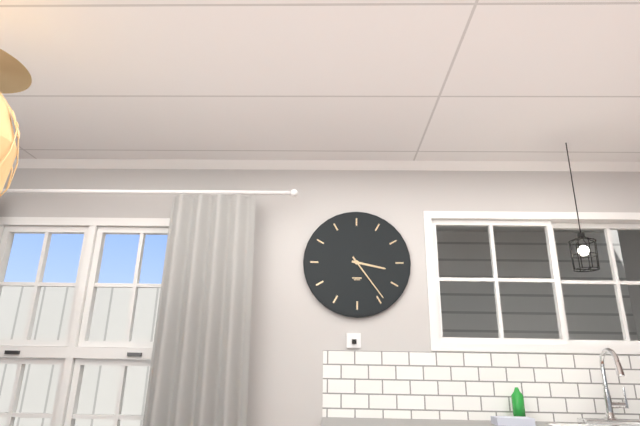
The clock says 3:24
